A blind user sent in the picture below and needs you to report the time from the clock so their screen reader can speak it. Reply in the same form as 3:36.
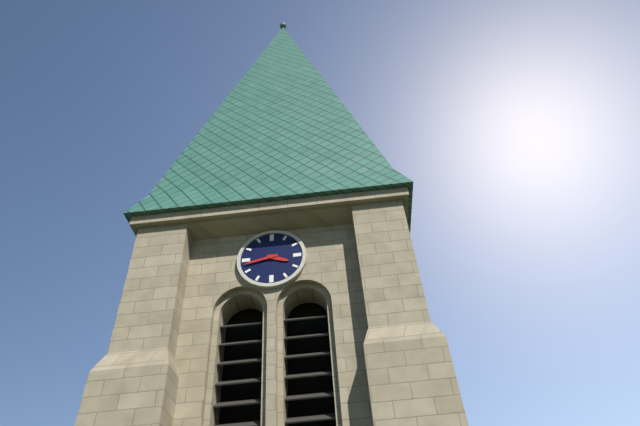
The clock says 3:43
